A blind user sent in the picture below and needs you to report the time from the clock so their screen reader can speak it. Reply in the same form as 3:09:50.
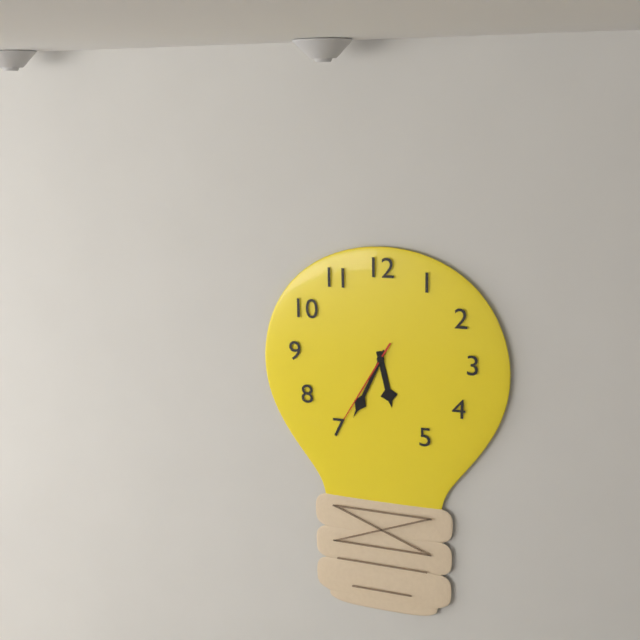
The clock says 5:34:35
